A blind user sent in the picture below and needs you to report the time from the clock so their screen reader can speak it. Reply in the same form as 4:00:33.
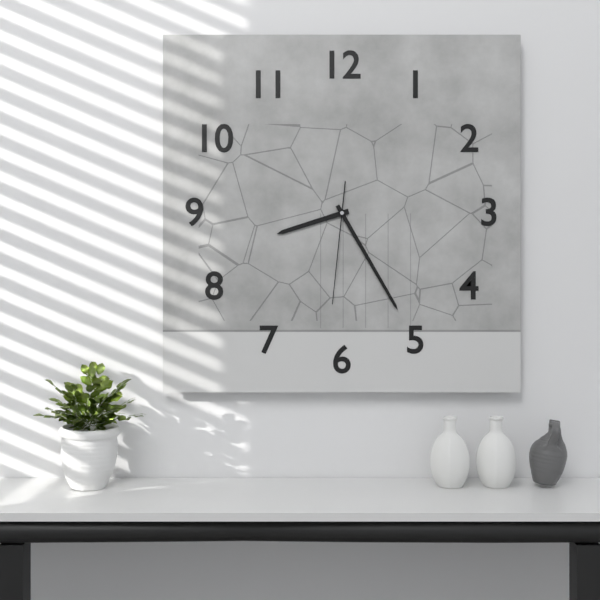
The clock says 8:25:31
